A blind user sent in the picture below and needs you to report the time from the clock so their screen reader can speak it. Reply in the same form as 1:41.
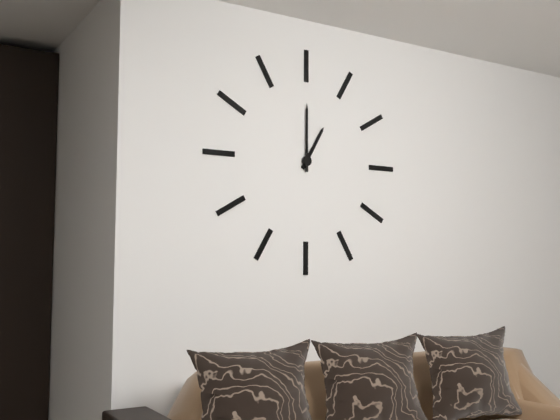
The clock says 1:00
